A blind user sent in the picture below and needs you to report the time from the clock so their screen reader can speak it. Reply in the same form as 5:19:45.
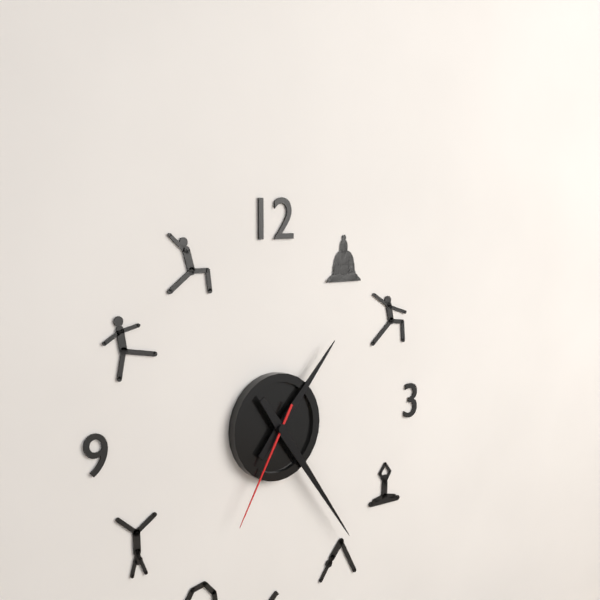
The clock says 1:24:35
